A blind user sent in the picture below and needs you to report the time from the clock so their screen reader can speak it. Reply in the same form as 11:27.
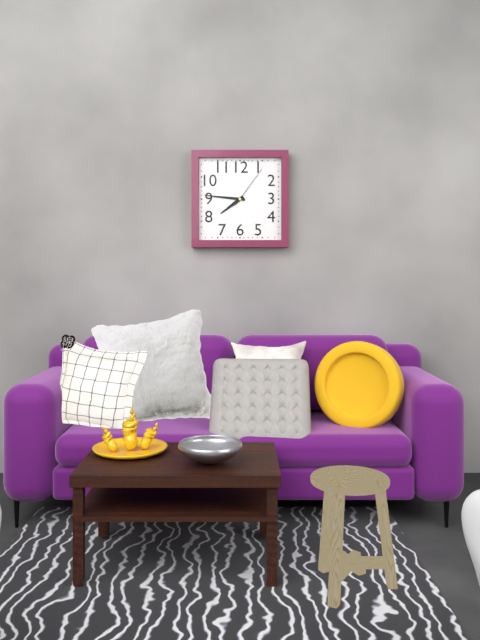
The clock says 7:46
